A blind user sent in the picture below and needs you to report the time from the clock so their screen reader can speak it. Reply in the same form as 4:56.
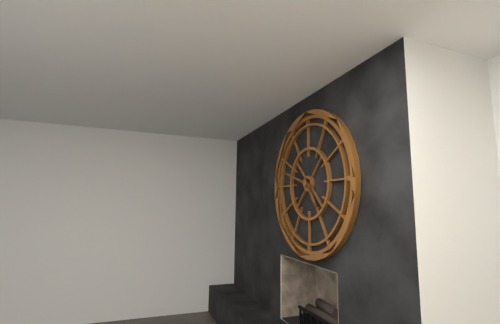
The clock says 4:48
